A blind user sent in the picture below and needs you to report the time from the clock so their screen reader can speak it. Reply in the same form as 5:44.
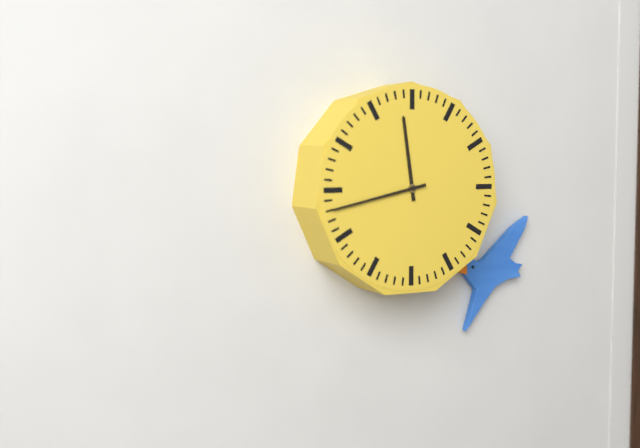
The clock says 11:43
